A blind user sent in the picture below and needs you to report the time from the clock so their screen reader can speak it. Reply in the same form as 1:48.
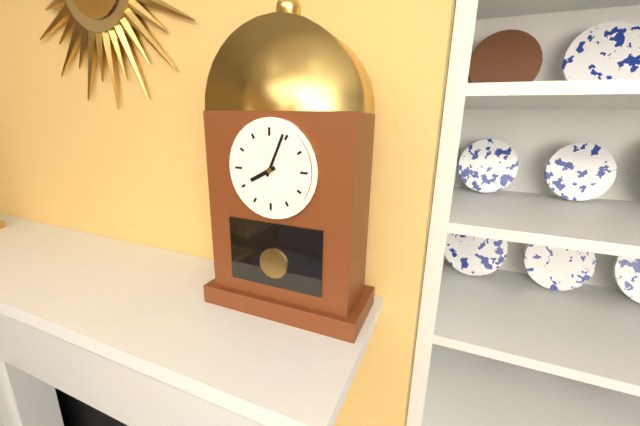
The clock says 8:04
